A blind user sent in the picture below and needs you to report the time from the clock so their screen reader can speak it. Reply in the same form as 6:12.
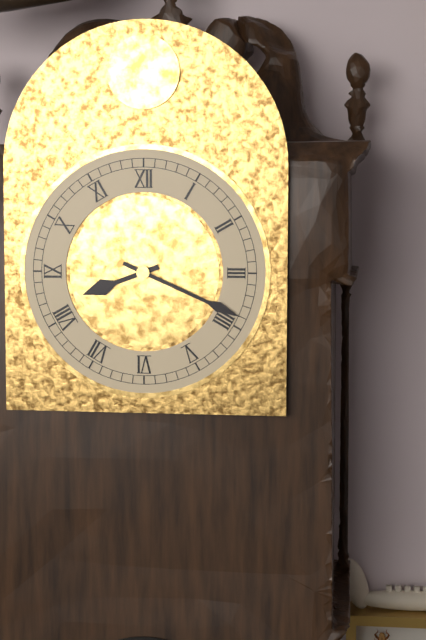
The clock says 8:19
